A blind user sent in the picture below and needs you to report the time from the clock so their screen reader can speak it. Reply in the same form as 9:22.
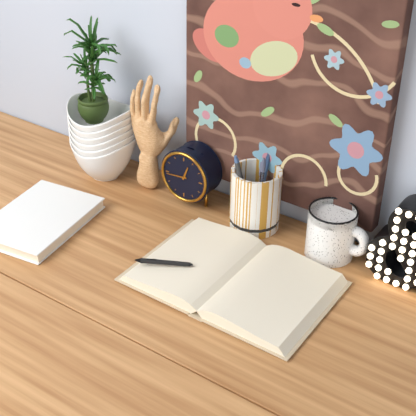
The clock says 12:44
